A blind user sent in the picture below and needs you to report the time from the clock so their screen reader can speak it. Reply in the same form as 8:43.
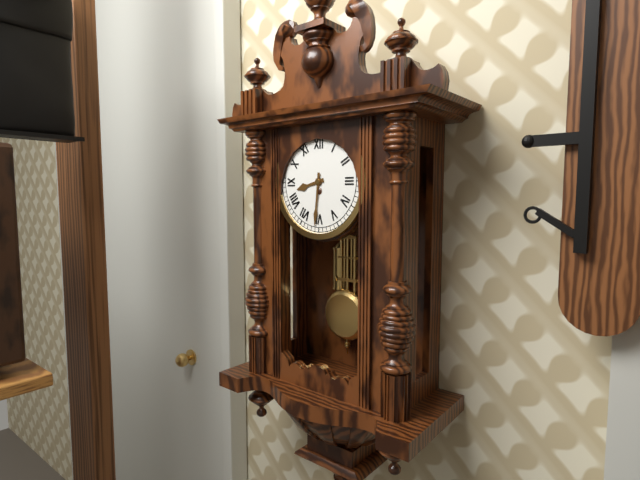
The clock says 8:31
